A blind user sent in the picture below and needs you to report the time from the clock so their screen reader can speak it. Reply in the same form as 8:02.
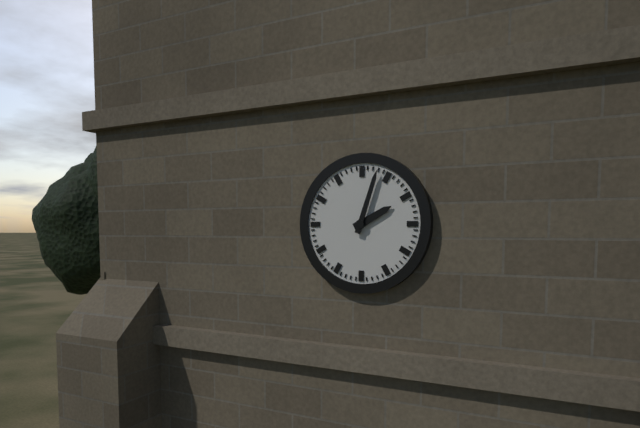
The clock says 2:03
